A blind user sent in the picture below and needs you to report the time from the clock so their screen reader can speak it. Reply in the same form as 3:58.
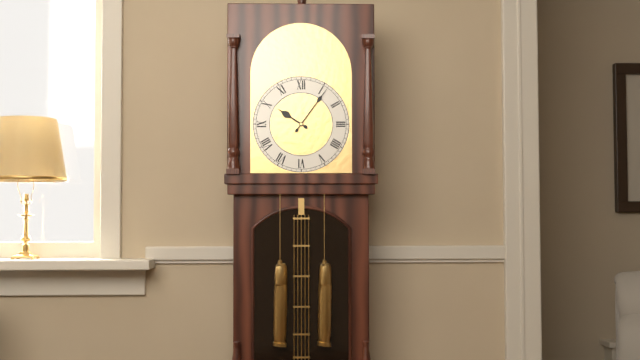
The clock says 10:06
